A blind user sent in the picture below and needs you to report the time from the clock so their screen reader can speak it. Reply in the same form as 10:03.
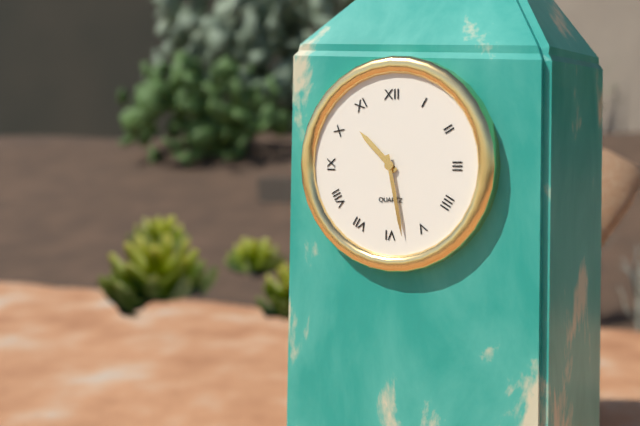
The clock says 10:28
